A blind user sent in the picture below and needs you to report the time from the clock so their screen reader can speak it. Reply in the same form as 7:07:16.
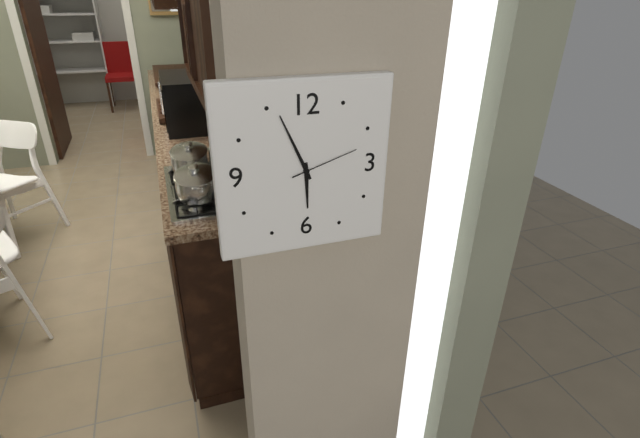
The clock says 5:56:12
